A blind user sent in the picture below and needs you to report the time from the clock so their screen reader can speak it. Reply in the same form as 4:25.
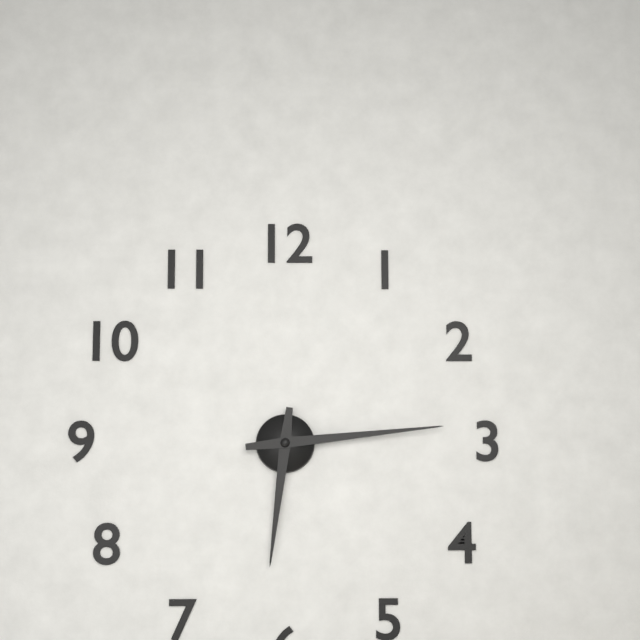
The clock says 6:14
